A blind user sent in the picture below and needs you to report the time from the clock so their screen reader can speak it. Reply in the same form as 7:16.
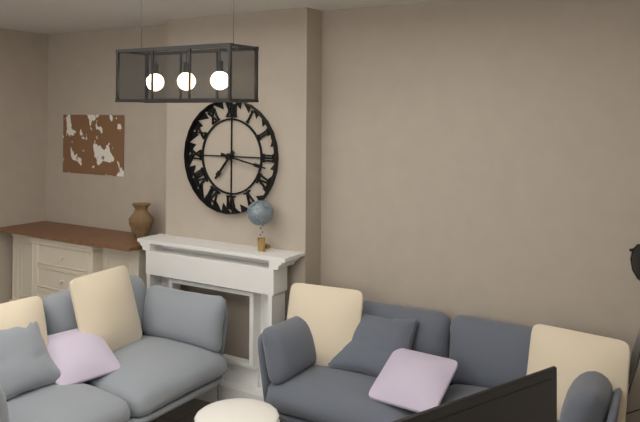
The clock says 7:17
